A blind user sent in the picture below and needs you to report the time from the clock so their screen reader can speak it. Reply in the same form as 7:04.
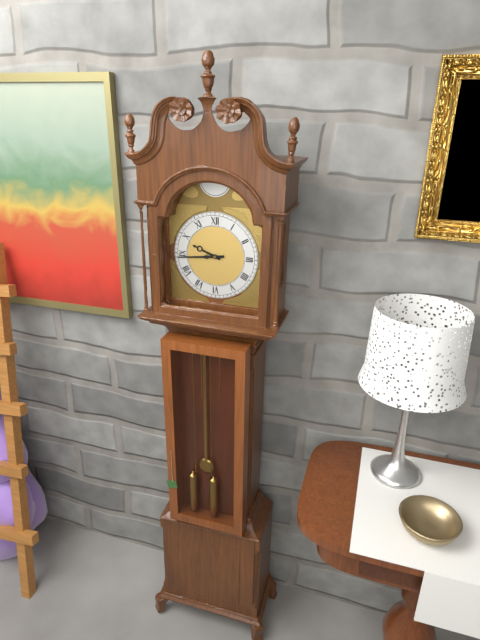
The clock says 9:44
